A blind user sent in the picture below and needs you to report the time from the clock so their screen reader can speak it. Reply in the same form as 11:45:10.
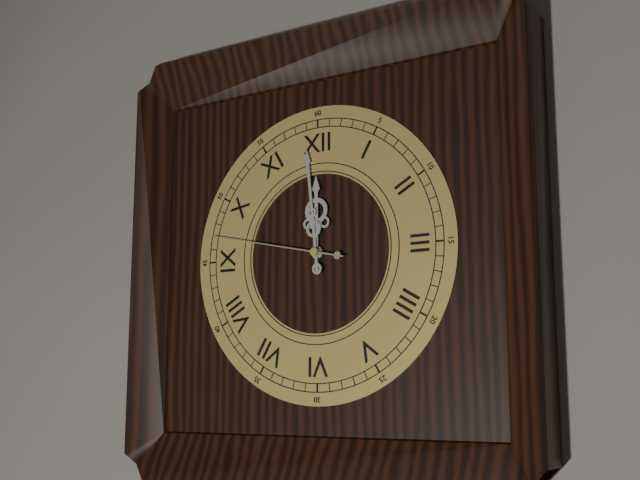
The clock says 11:59:47
